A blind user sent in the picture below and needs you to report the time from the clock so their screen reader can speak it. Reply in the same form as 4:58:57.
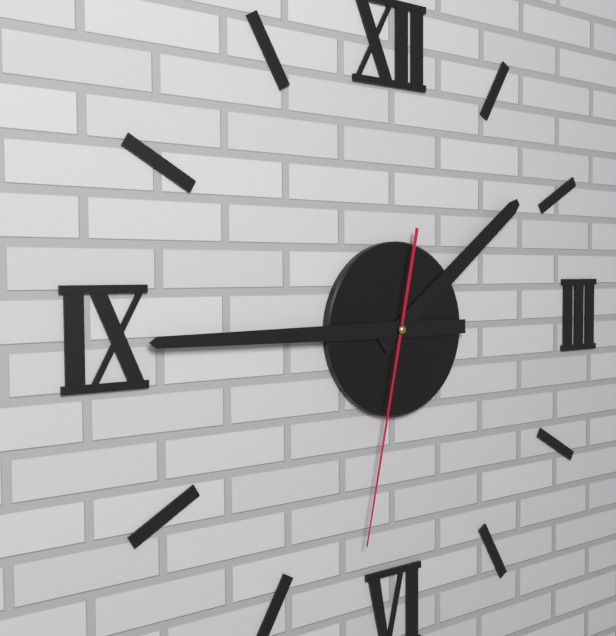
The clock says 1:45:32
